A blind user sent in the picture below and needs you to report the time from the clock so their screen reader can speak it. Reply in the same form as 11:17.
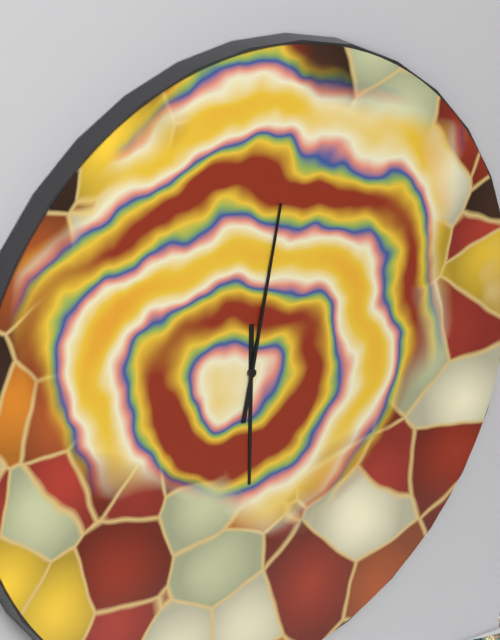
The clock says 6:02
